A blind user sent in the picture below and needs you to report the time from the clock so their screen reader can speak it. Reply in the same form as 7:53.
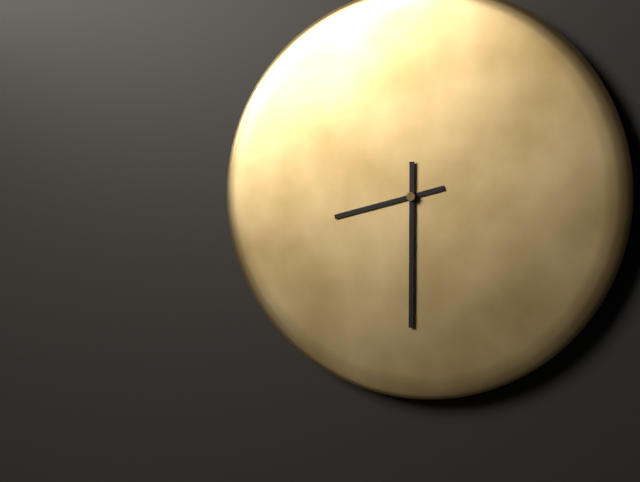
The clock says 8:30
